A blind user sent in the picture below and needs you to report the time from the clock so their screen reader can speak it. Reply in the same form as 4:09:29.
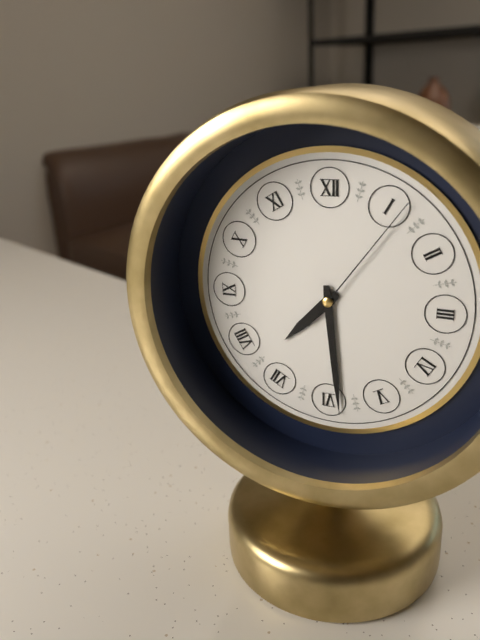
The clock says 7:29:06
